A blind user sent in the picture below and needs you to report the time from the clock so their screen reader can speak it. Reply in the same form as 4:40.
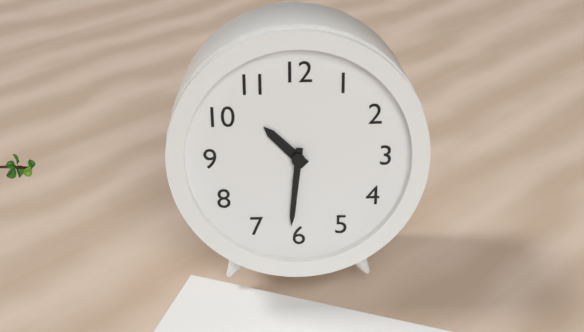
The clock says 10:31
